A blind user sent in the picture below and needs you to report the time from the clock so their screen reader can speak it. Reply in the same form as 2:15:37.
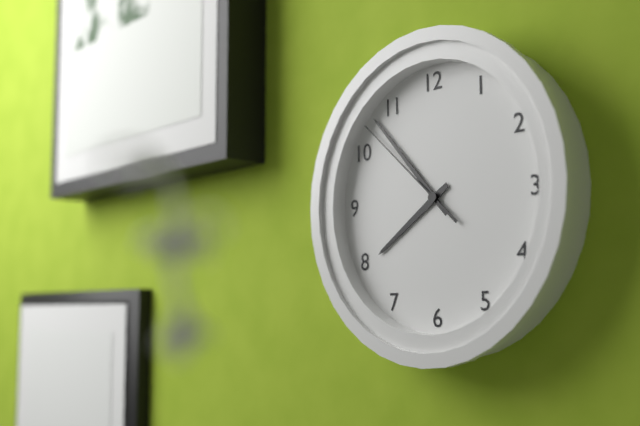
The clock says 7:53:52
